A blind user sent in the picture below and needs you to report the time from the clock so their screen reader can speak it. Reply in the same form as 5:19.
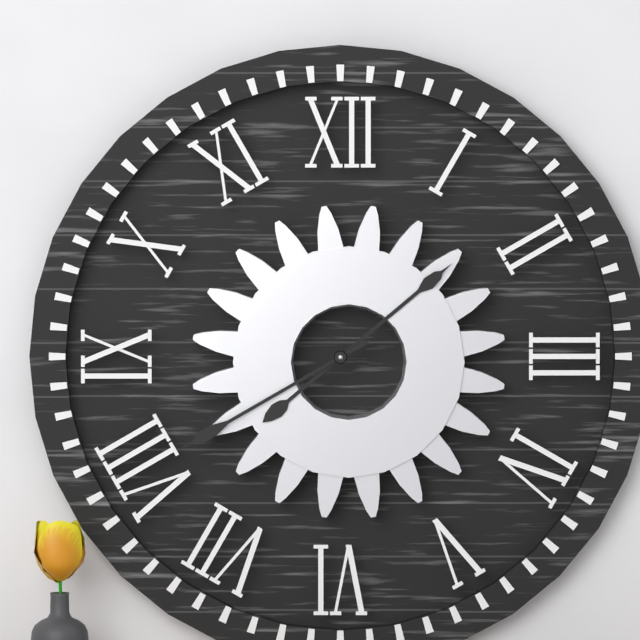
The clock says 1:40
